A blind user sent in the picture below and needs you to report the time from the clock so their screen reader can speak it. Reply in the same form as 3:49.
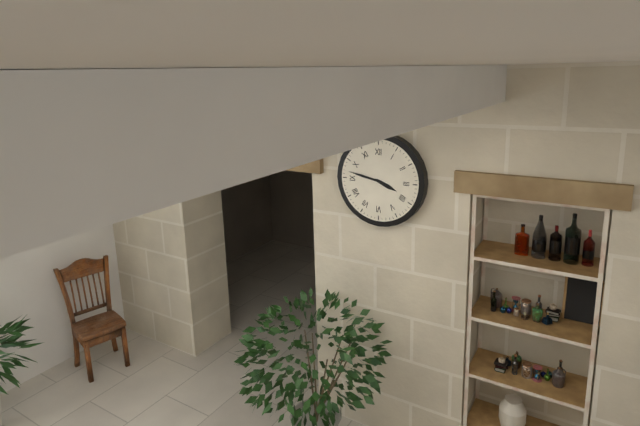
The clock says 3:47
